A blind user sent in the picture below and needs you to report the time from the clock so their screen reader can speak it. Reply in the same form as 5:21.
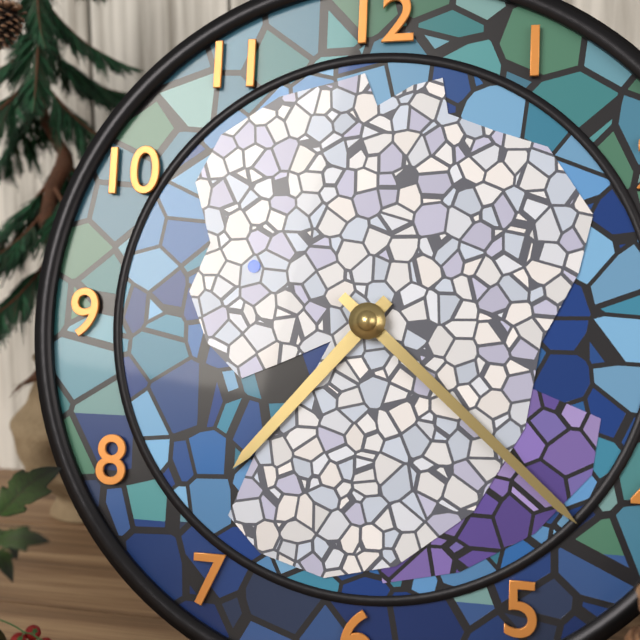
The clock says 7:22
